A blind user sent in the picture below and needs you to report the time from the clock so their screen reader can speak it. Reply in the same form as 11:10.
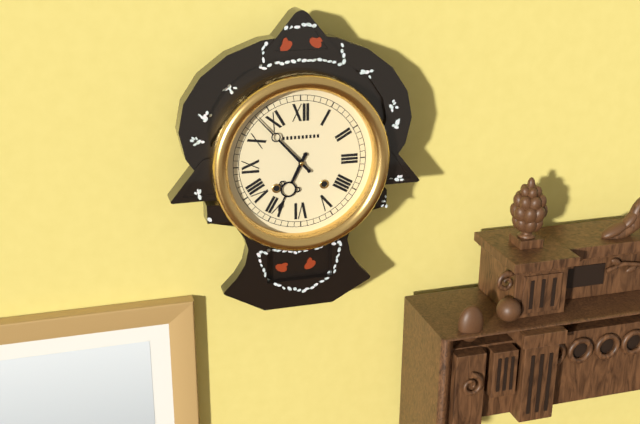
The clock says 6:53
